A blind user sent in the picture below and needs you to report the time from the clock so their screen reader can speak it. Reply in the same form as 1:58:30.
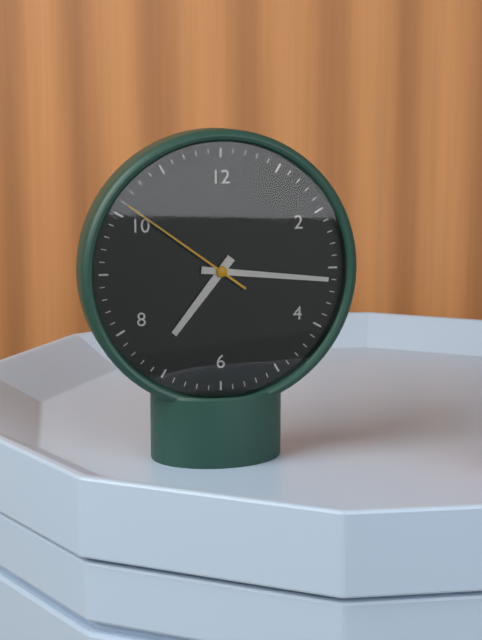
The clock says 7:16:51
